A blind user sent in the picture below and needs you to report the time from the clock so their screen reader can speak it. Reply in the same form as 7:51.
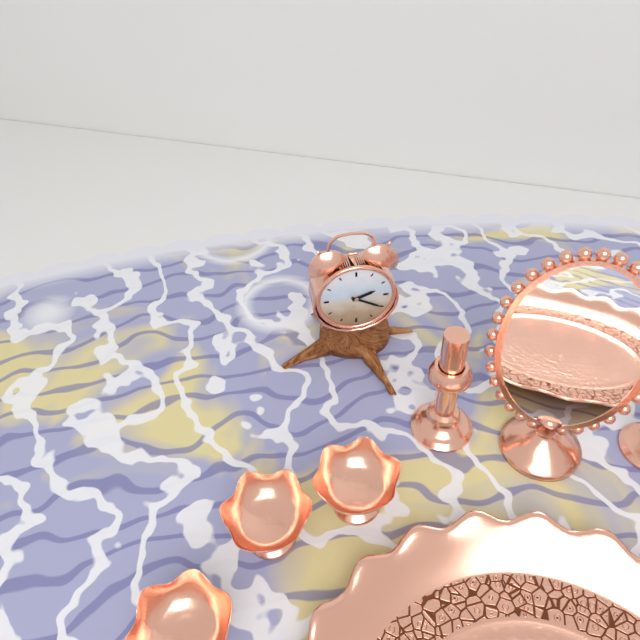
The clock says 2:20
